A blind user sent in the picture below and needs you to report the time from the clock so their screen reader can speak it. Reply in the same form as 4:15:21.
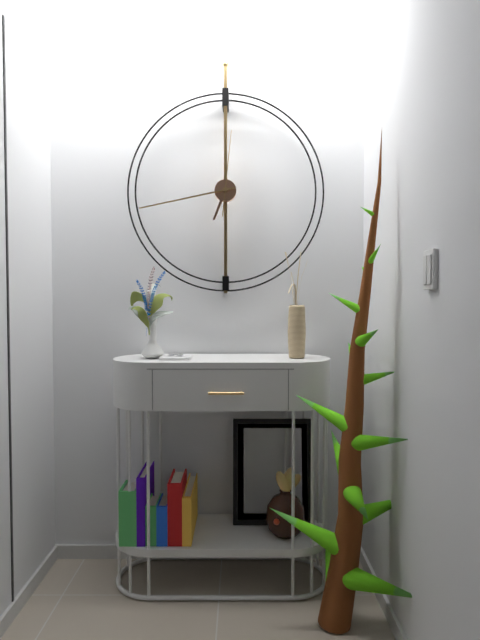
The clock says 6:43:01
